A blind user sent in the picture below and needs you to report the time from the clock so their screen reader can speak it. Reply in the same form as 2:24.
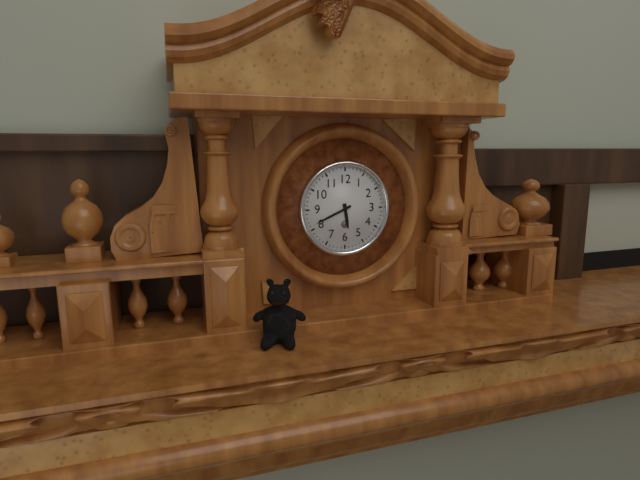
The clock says 5:41
